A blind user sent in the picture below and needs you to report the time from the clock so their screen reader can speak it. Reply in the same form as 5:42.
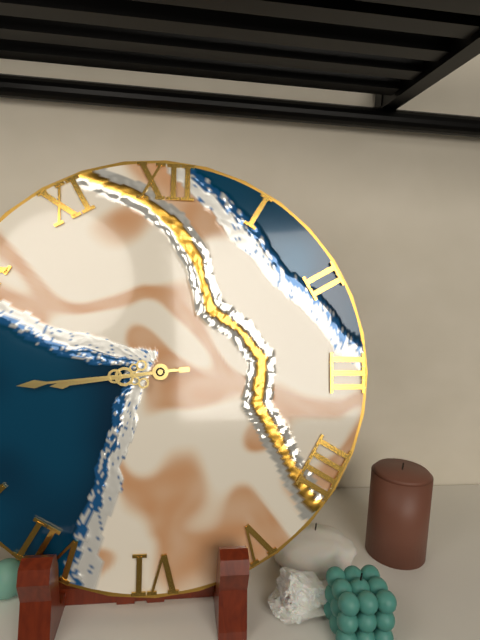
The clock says 8:44
